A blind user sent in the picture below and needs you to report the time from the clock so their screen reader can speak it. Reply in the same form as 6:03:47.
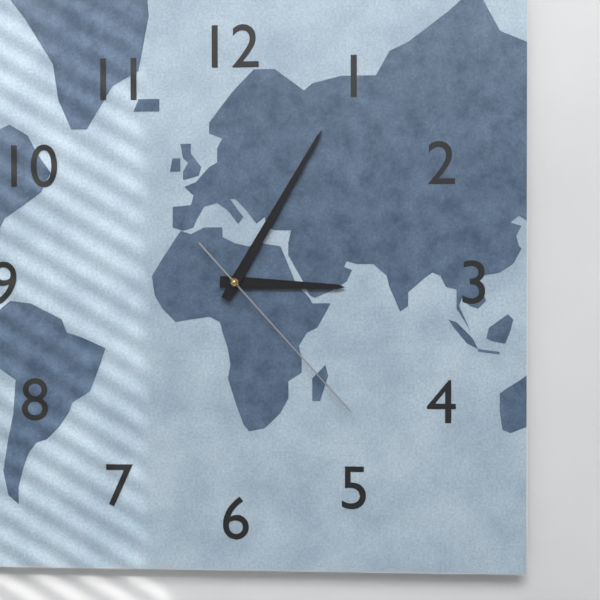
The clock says 3:05:23
